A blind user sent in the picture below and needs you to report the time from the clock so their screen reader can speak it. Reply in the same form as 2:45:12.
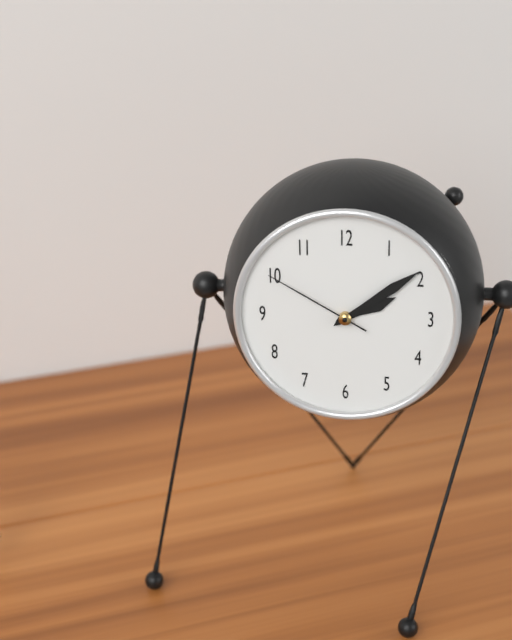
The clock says 2:09:50
